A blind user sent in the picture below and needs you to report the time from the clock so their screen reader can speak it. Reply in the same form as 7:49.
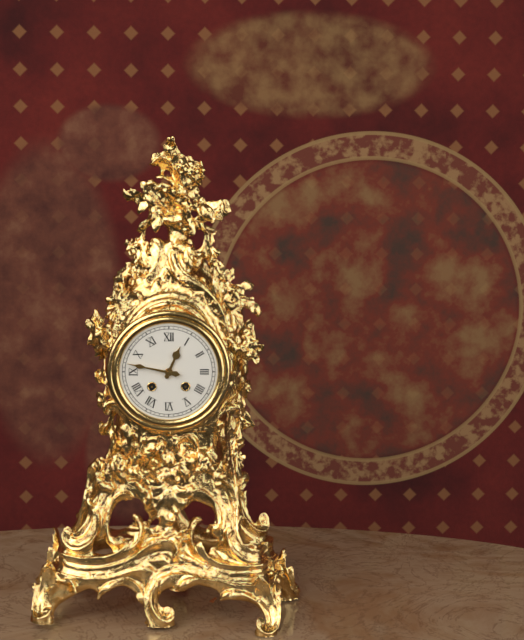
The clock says 12:47
